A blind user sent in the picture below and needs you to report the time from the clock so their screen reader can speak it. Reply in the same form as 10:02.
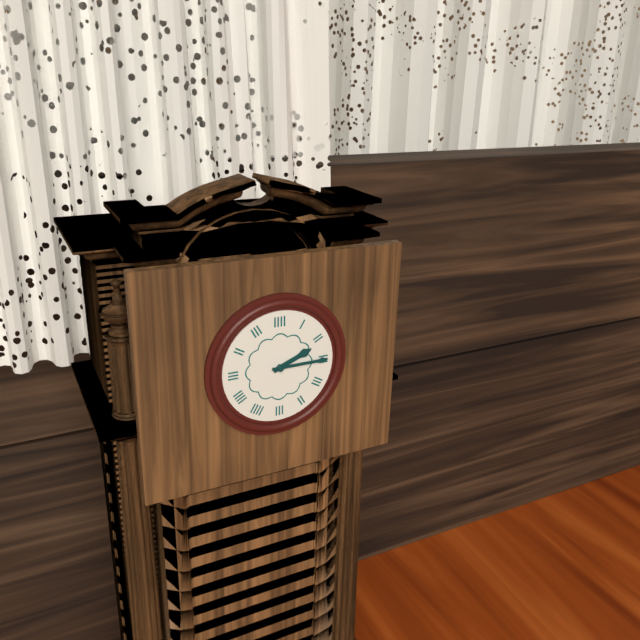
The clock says 2:15
